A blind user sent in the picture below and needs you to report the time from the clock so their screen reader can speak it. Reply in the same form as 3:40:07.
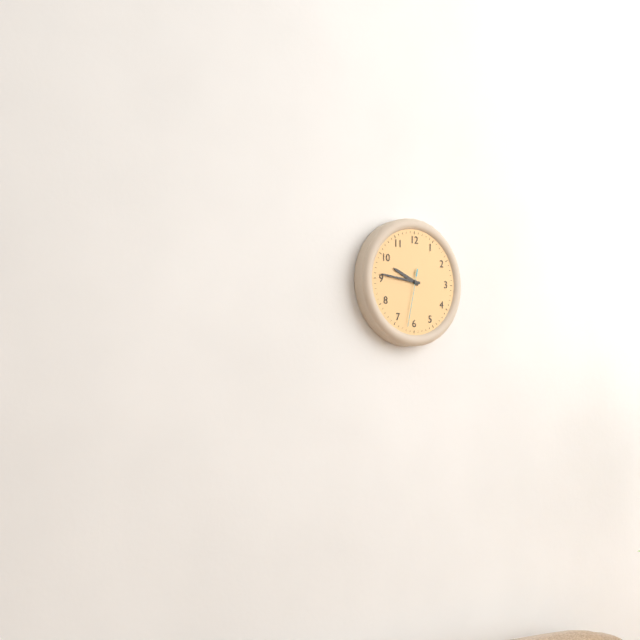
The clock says 9:46:32
